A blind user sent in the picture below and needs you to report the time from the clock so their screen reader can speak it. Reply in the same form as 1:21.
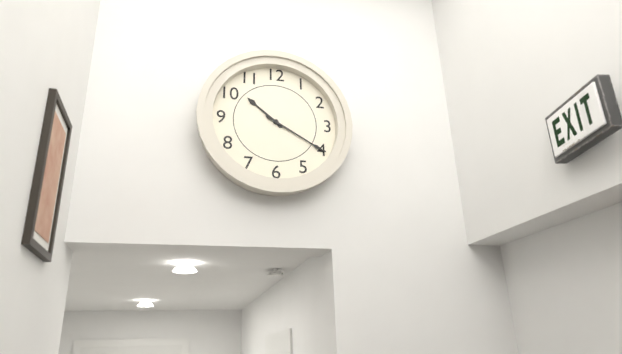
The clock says 10:20
